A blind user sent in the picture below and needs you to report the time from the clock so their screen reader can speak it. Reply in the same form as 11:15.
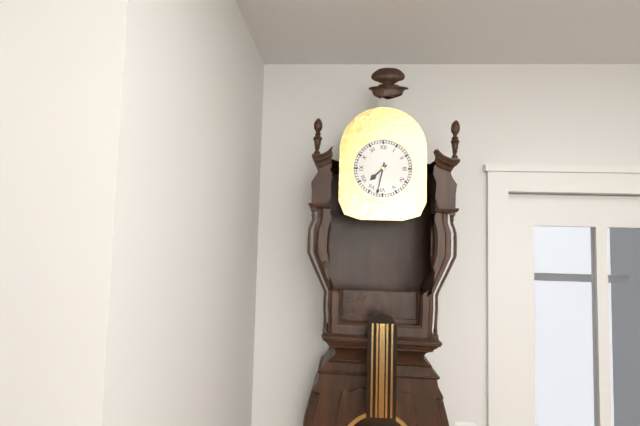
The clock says 7:32
